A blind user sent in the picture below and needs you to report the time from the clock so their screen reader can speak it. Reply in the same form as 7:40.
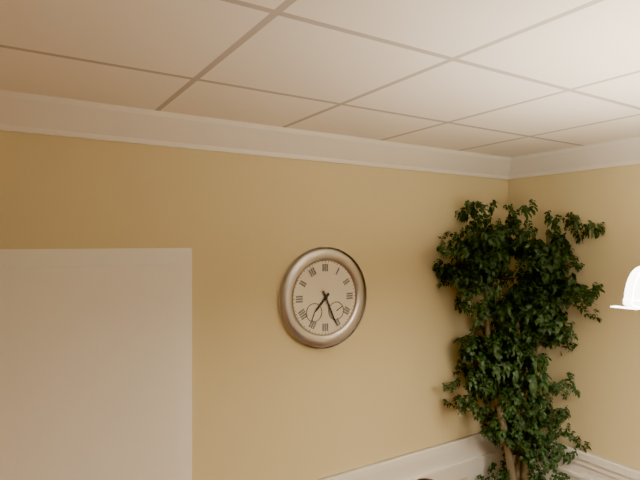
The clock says 7:26
